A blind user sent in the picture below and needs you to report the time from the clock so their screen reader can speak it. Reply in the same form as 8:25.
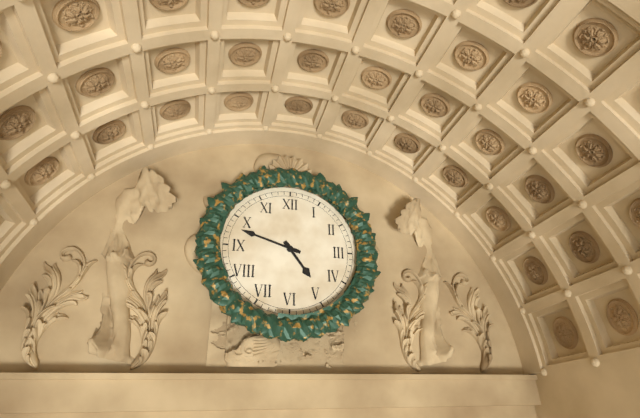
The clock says 4:48
